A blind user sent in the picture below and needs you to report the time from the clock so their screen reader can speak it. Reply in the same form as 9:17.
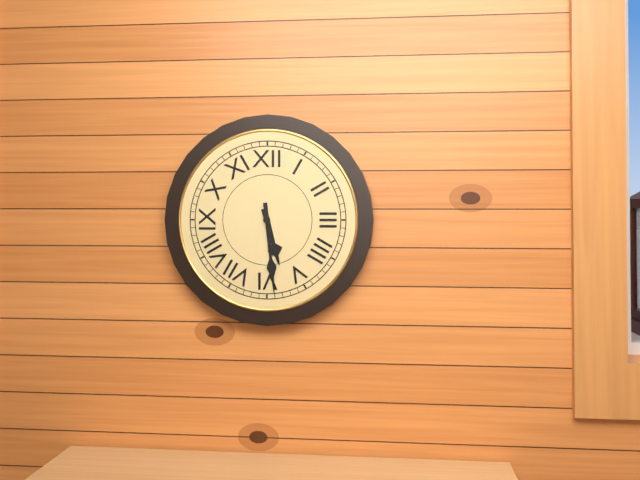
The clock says 5:29
